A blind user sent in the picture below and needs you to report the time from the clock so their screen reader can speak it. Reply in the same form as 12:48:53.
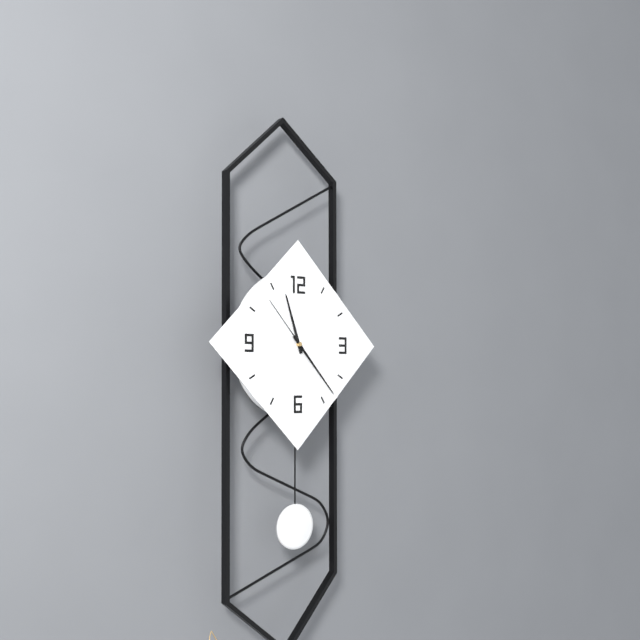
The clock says 11:23:53
